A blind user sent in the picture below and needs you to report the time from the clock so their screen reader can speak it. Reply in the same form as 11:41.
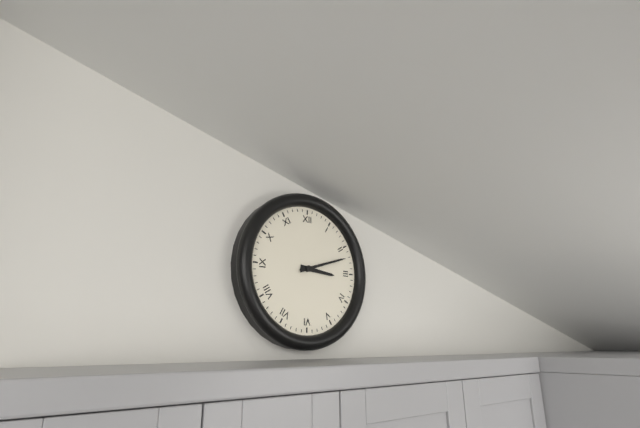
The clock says 3:12
